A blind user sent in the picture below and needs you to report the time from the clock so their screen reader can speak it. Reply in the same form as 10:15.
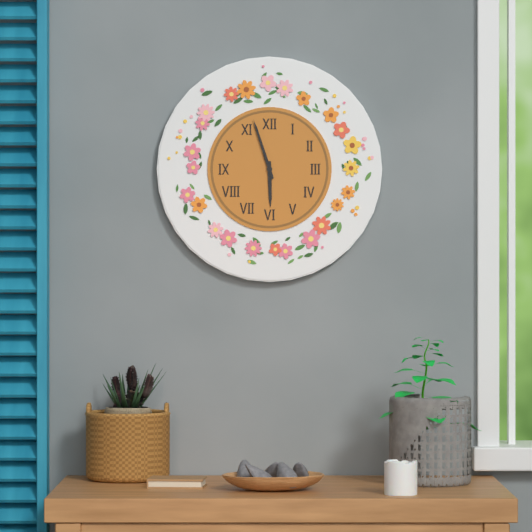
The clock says 5:57
